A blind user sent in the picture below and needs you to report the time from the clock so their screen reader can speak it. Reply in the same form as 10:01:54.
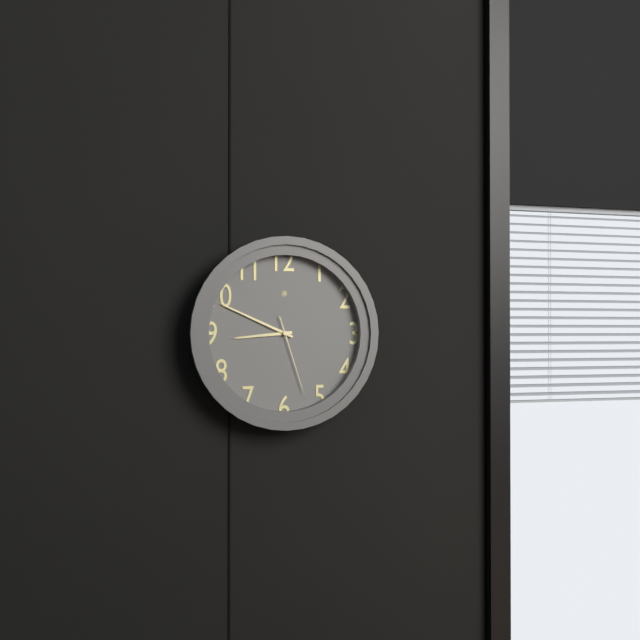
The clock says 8:49:27
